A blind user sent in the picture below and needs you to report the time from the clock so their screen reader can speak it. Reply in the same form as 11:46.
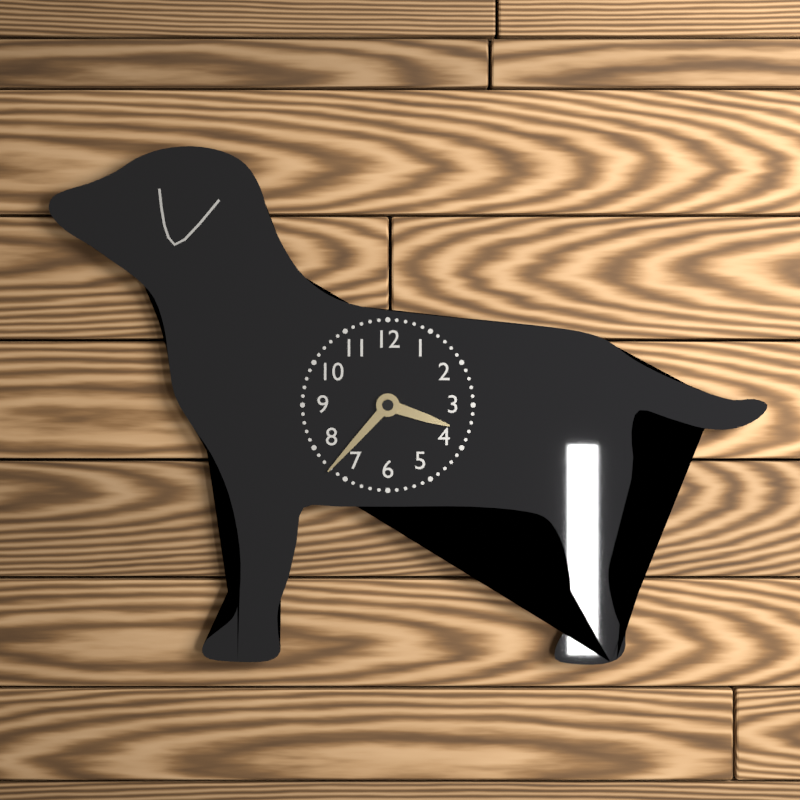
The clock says 3:37
